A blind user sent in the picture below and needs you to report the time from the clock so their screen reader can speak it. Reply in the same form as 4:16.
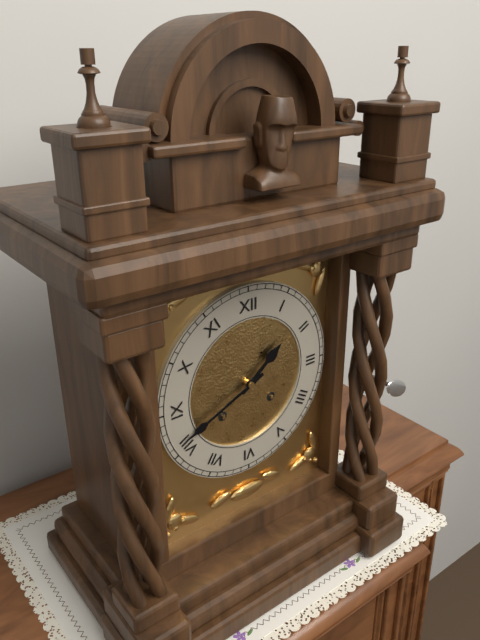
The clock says 1:41
